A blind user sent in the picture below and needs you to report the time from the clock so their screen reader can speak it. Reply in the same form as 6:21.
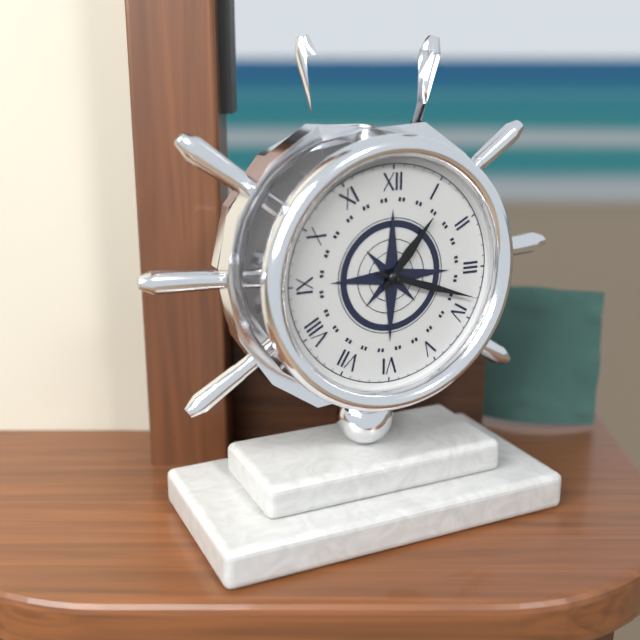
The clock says 1:18
